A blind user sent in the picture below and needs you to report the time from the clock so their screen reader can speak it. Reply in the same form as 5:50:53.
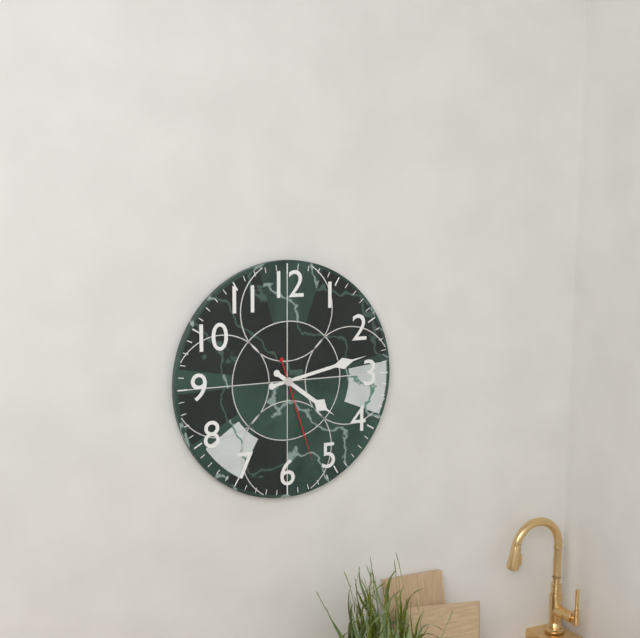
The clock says 4:13:27
